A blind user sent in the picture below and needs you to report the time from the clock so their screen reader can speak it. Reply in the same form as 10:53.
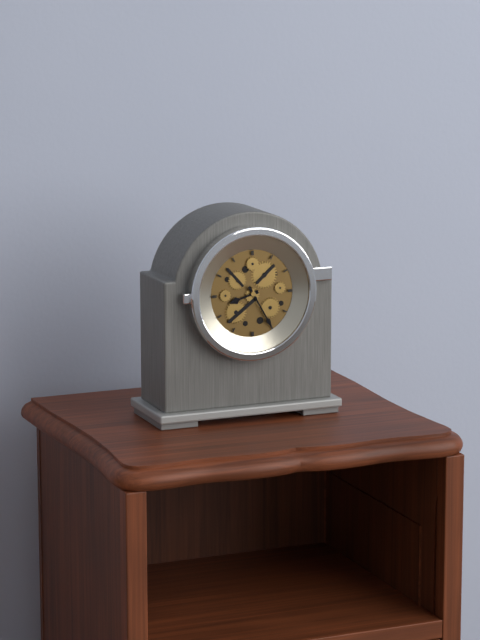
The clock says 8:25
